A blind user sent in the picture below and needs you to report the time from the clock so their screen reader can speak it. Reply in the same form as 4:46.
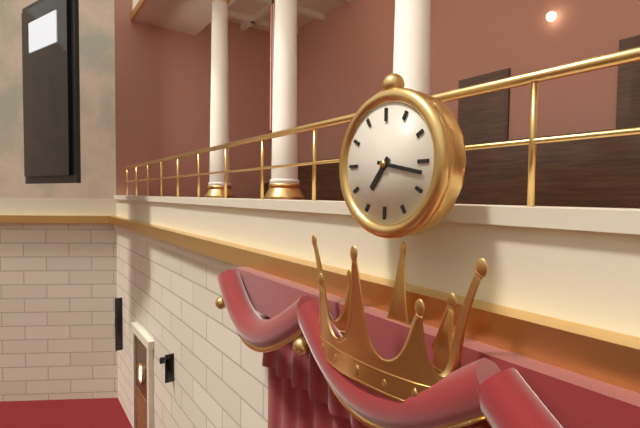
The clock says 7:17
